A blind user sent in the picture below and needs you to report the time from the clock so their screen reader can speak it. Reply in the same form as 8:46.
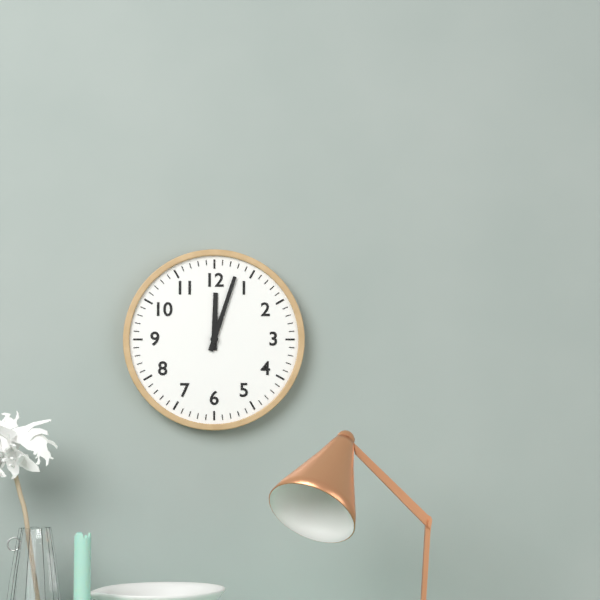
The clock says 12:03
